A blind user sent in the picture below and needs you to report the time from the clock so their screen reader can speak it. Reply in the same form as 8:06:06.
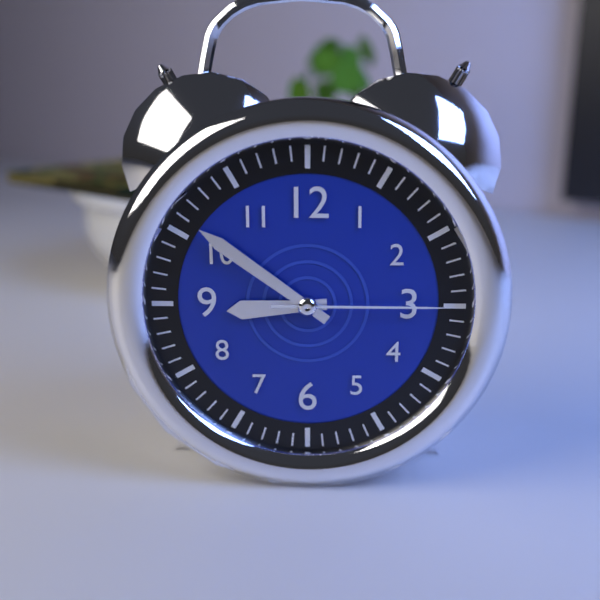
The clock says 8:51:15
